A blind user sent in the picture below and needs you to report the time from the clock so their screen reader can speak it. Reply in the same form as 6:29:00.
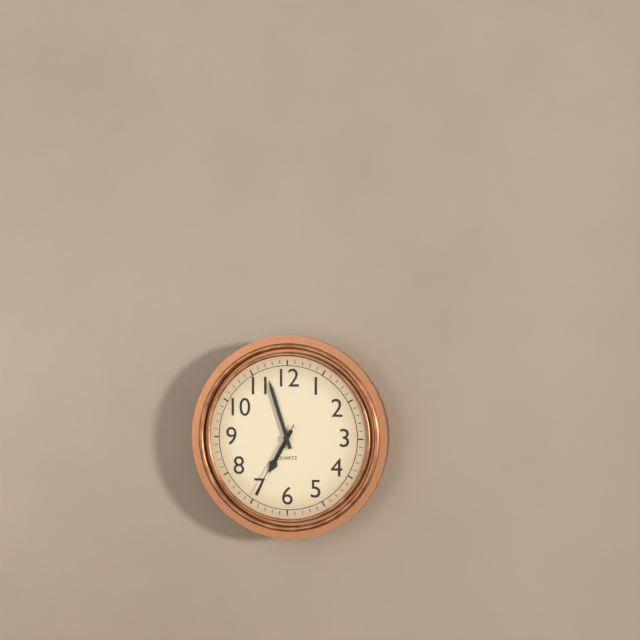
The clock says 6:57:35
